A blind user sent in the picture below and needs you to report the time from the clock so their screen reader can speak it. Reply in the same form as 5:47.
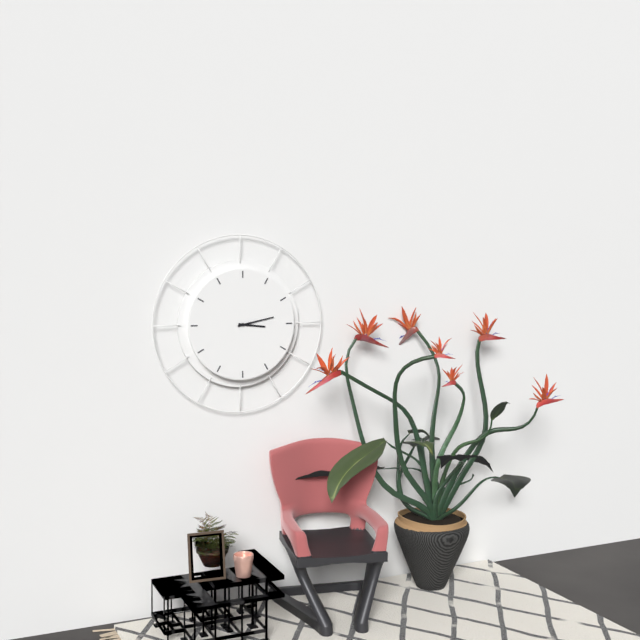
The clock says 3:13
